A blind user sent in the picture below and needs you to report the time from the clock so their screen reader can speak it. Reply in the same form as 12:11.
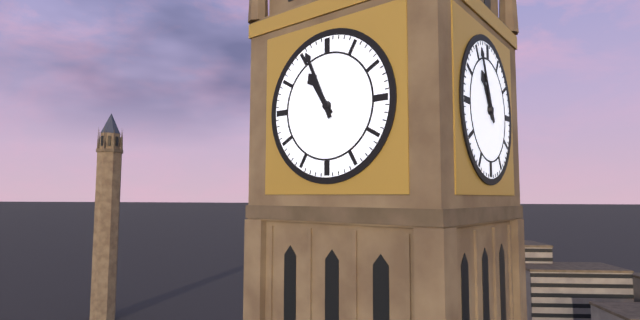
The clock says 10:56
